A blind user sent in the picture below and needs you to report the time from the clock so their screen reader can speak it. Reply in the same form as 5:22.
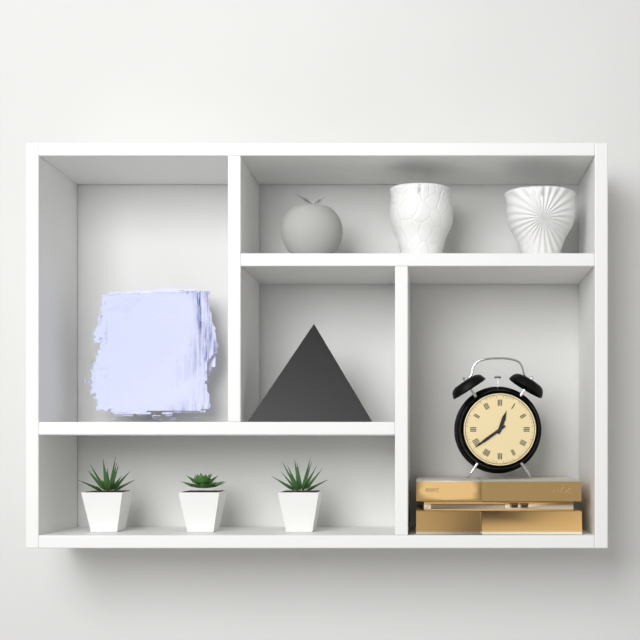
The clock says 12:39
